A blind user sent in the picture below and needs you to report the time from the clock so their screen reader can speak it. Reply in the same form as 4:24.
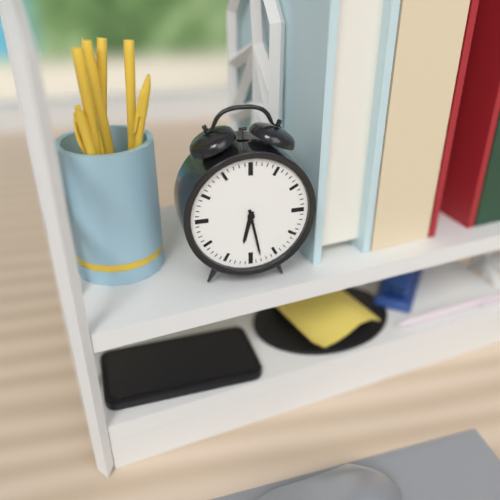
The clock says 6:28
